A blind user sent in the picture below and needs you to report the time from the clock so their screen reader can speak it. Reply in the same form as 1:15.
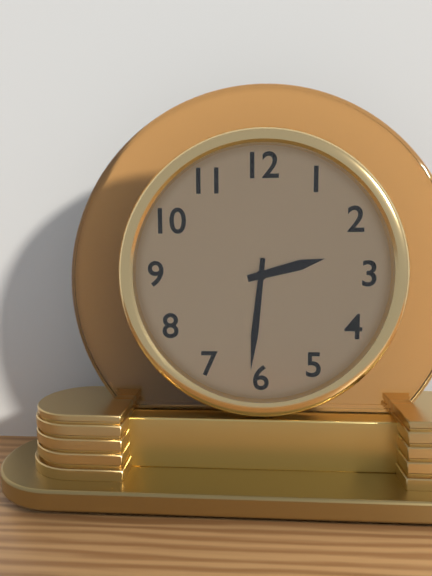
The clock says 2:31
